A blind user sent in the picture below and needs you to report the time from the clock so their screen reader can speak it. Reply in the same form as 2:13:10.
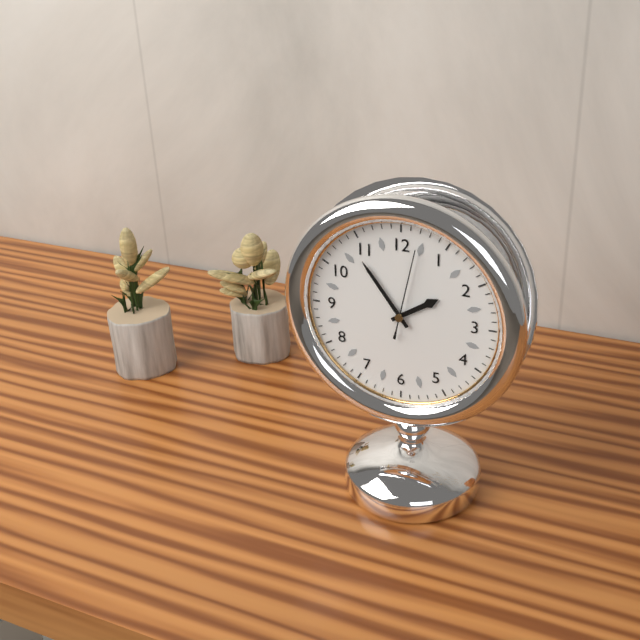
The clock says 1:54:02
